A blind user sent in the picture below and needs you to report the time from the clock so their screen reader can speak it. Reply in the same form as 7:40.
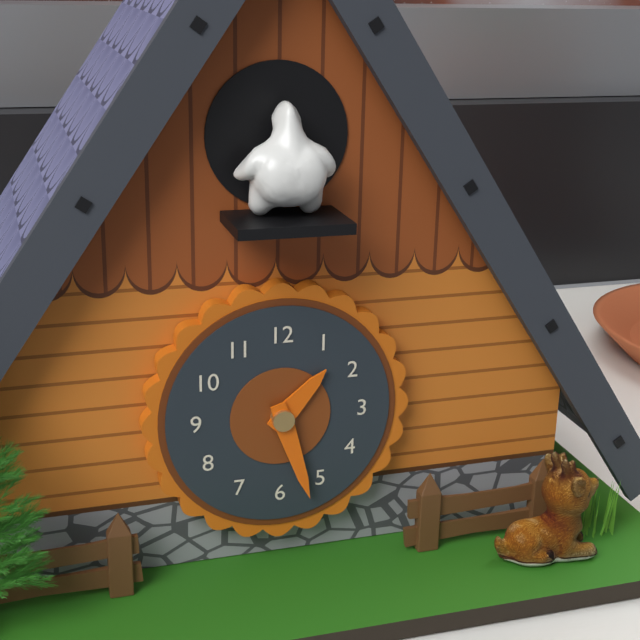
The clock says 1:27
